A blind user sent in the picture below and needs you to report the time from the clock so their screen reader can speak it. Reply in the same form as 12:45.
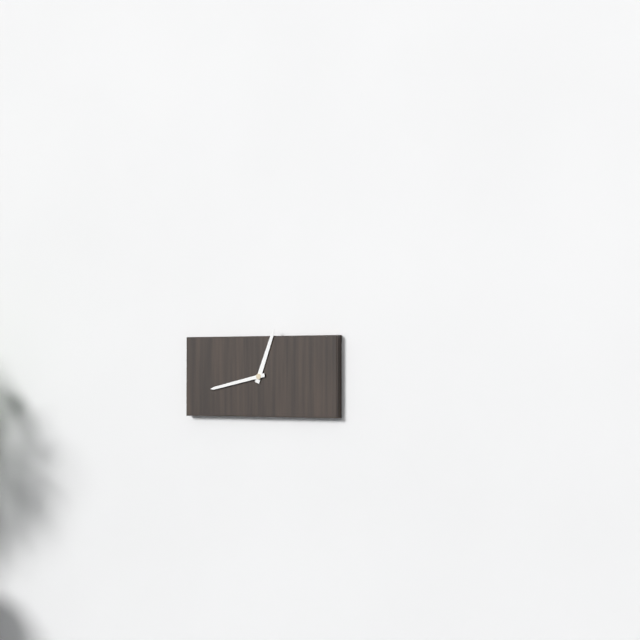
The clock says 12:43
